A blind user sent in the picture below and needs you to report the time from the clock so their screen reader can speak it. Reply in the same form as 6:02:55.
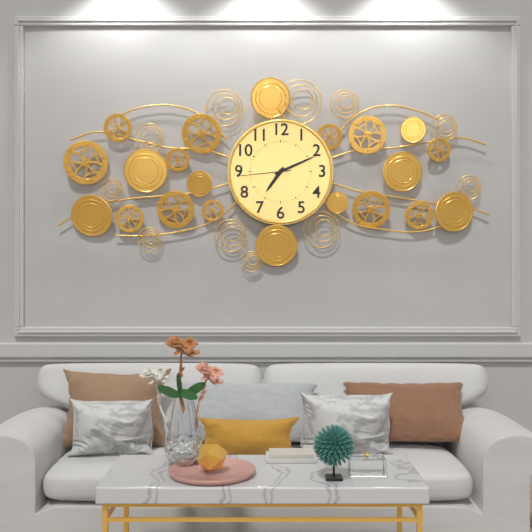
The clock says 7:11:44
